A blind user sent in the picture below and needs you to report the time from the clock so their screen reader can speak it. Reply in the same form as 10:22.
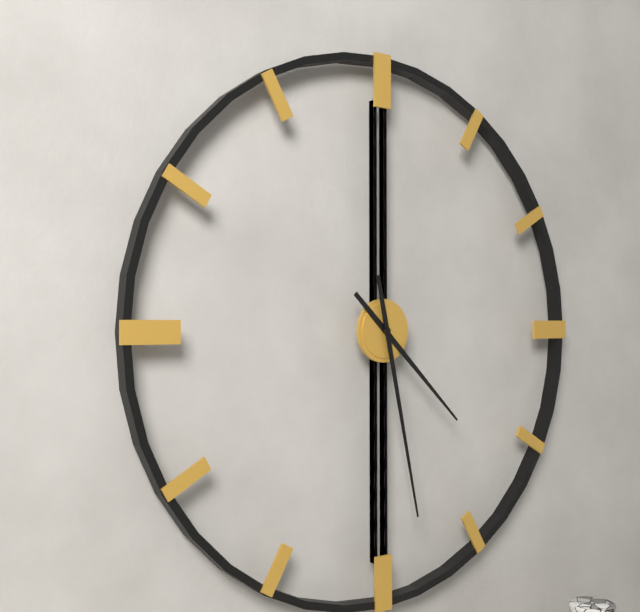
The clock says 4:28
